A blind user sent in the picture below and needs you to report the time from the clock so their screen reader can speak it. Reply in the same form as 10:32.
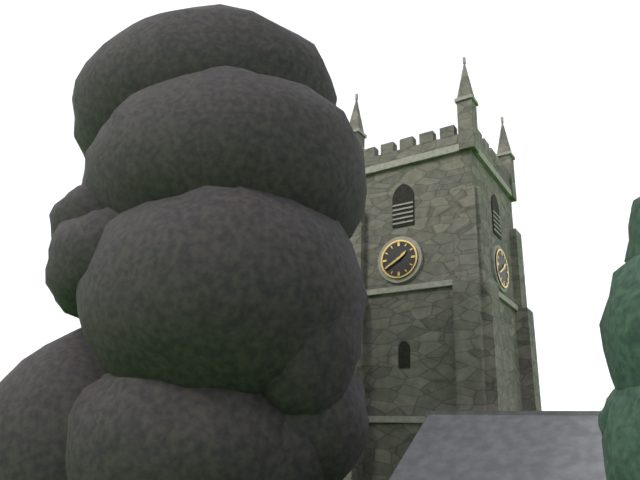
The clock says 1:40
